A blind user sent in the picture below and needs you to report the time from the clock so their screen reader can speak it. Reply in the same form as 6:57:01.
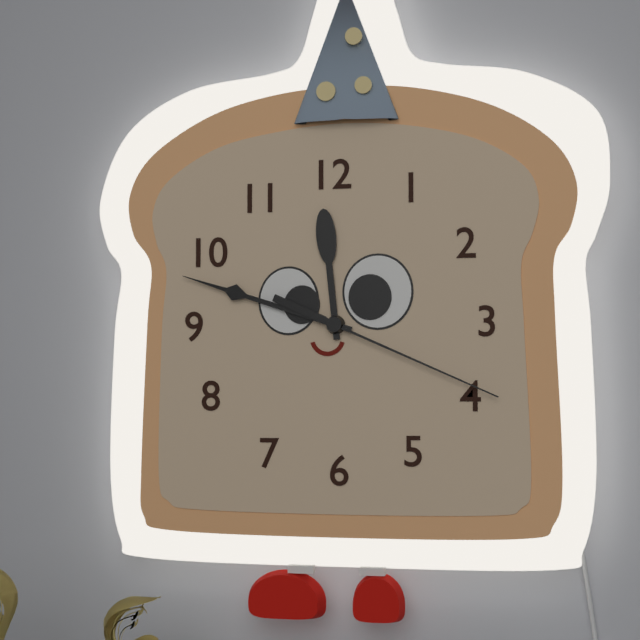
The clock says 11:48:19
